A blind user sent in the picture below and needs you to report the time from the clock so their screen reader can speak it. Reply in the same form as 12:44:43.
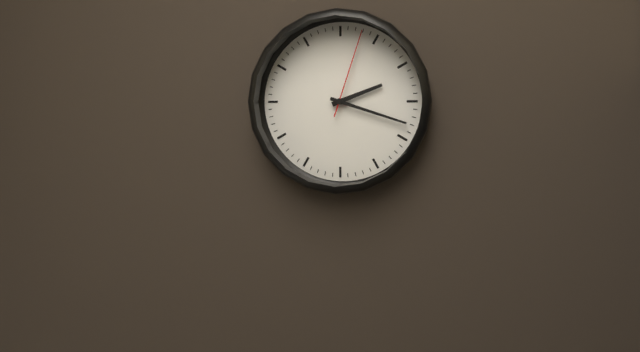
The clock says 2:18:03
